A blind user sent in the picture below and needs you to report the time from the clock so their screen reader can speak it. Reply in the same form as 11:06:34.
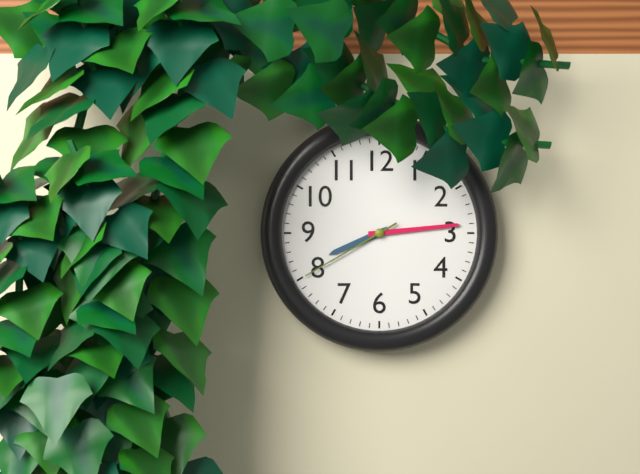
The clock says 8:14:40
